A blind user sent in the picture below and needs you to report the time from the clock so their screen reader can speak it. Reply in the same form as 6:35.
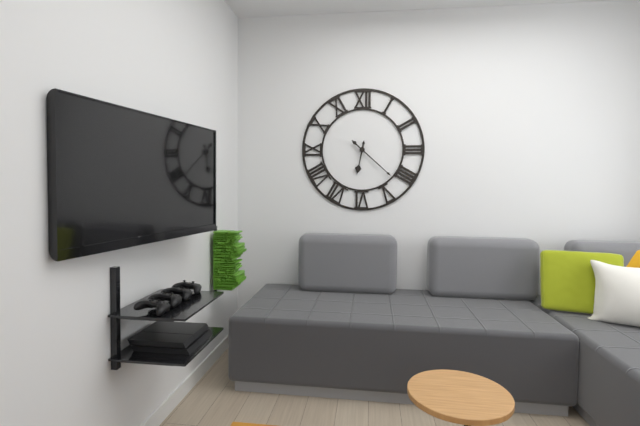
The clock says 6:22
